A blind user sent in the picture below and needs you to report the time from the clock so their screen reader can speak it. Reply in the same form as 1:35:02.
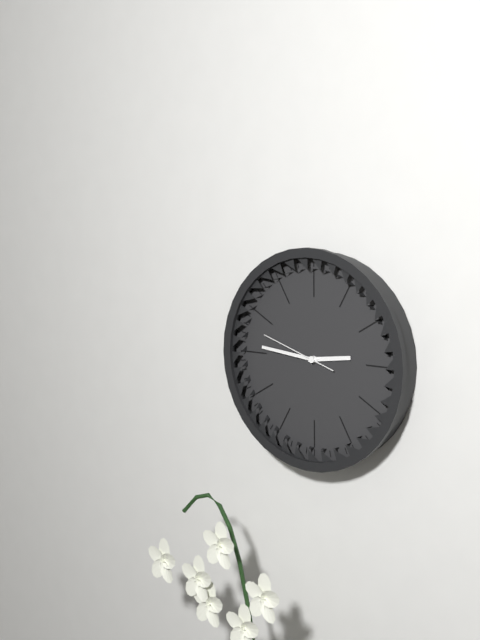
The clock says 2:46:48
